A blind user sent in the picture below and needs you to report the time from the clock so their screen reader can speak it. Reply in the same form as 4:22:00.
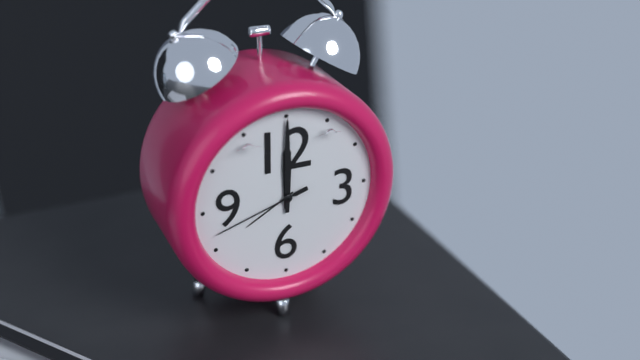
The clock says 12:00:42
